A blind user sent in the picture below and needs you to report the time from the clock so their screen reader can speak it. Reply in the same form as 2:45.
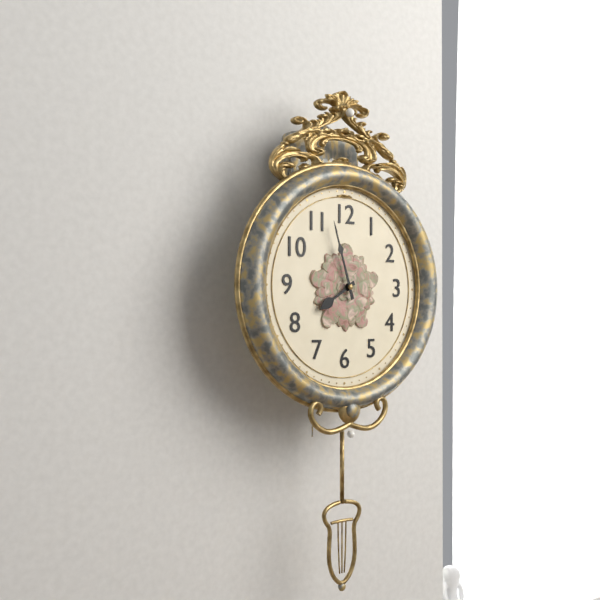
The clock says 7:57
